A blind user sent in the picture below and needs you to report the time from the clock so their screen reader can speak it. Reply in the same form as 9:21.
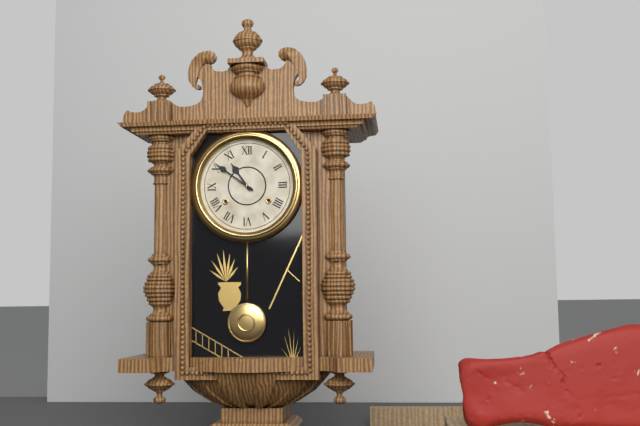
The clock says 10:51
